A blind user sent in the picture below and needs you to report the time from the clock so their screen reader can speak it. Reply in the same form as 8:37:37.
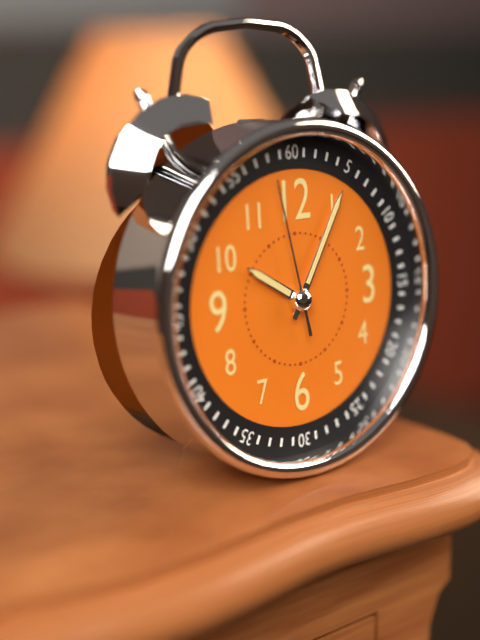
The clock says 10:05:58
